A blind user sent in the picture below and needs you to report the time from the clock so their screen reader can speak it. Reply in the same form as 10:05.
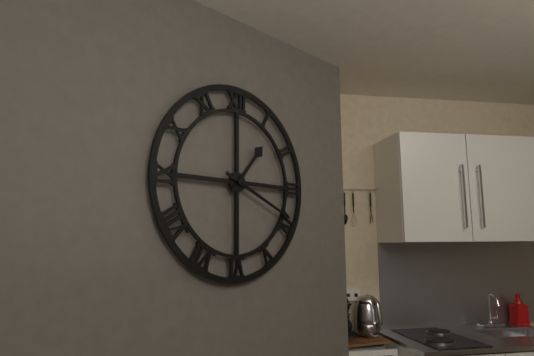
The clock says 1:19
